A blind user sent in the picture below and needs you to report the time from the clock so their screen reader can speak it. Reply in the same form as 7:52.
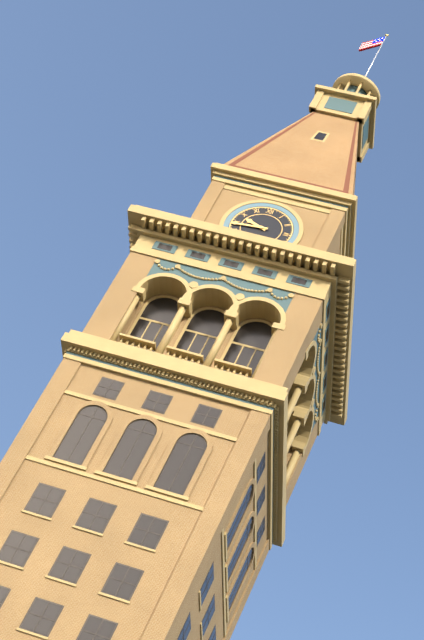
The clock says 9:44
